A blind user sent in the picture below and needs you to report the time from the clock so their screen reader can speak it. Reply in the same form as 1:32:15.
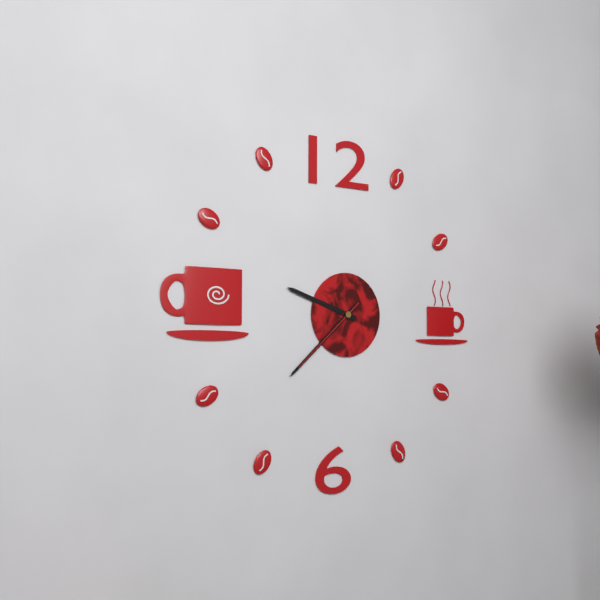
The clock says 9:38:38
